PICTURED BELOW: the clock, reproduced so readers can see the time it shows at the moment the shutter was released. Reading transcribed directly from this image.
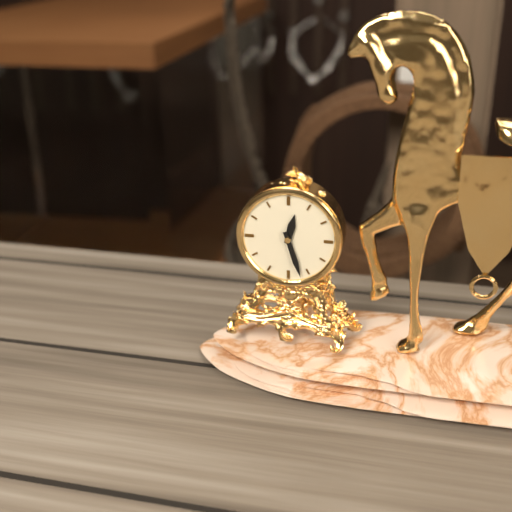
12:27
